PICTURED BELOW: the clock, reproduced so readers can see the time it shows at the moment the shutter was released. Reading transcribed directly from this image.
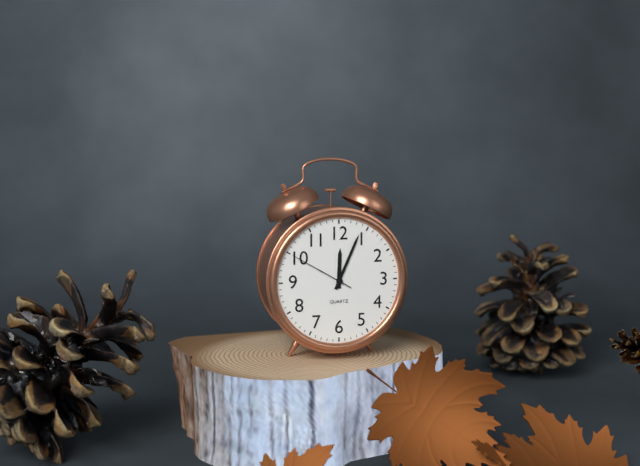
12:04:50
